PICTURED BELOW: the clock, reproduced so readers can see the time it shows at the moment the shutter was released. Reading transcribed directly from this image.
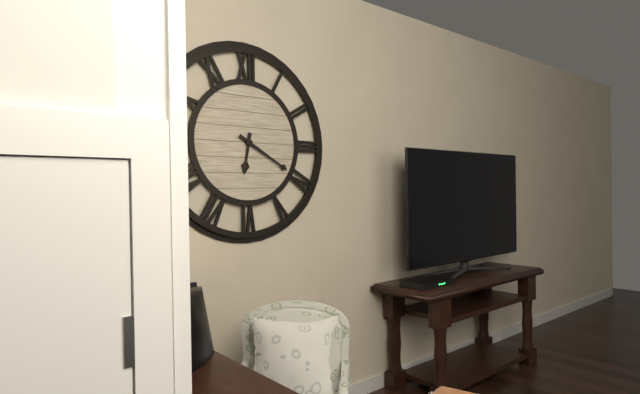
6:20
